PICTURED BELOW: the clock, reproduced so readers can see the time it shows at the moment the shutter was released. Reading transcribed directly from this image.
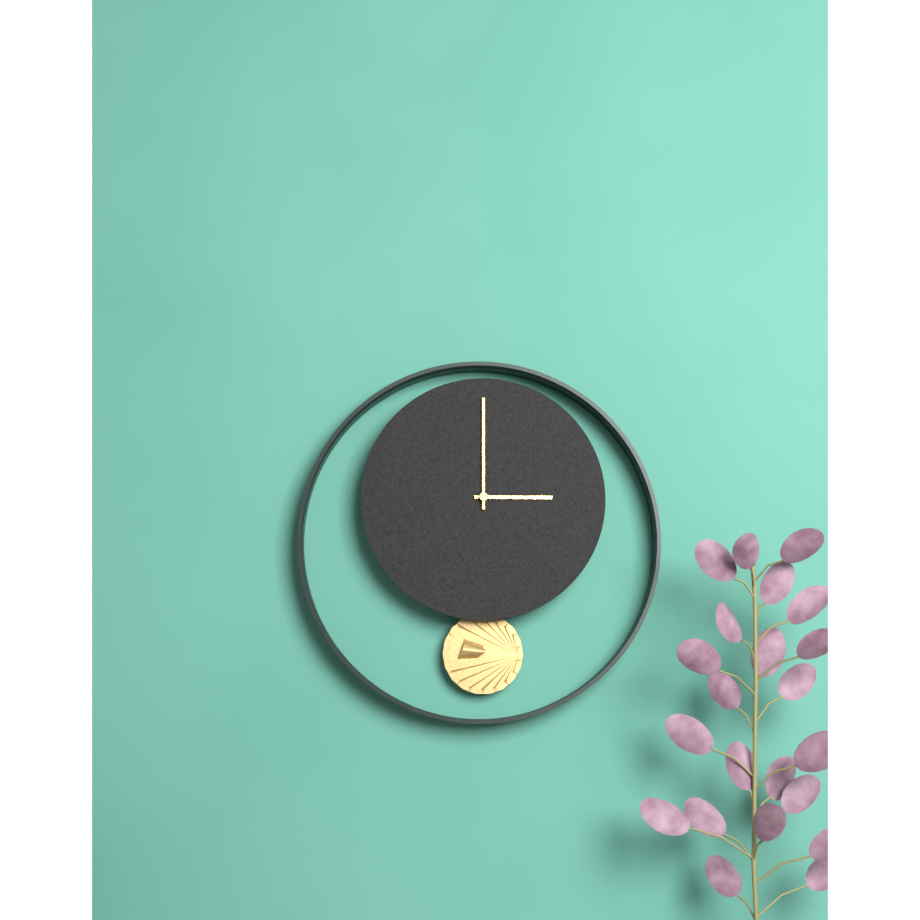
3:00
